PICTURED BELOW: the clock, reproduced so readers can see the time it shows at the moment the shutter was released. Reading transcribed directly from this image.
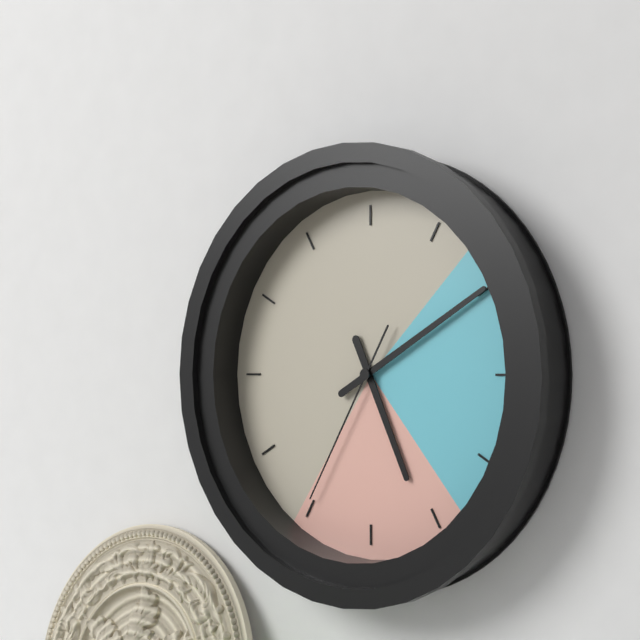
5:10:35
